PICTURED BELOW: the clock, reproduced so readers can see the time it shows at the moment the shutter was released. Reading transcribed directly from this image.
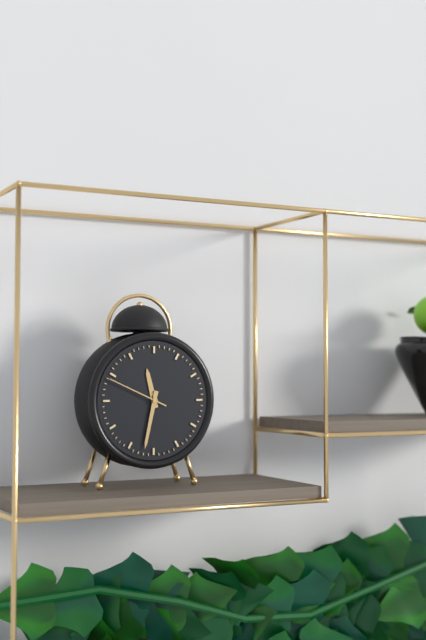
11:32:49
